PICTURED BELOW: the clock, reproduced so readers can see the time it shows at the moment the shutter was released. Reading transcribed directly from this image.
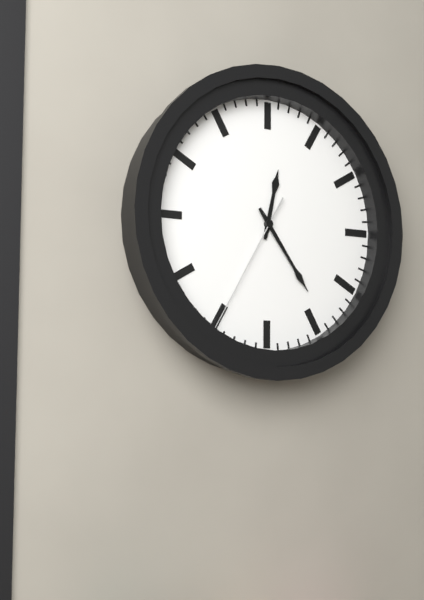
12:24:35
